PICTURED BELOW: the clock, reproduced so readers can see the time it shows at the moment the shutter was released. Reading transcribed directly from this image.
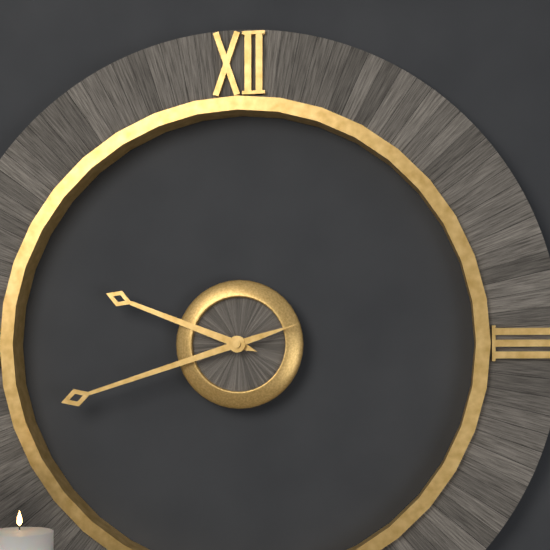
9:42
